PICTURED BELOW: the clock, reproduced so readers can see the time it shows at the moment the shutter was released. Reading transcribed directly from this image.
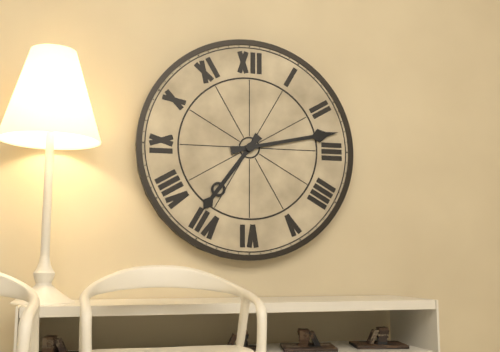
7:13
